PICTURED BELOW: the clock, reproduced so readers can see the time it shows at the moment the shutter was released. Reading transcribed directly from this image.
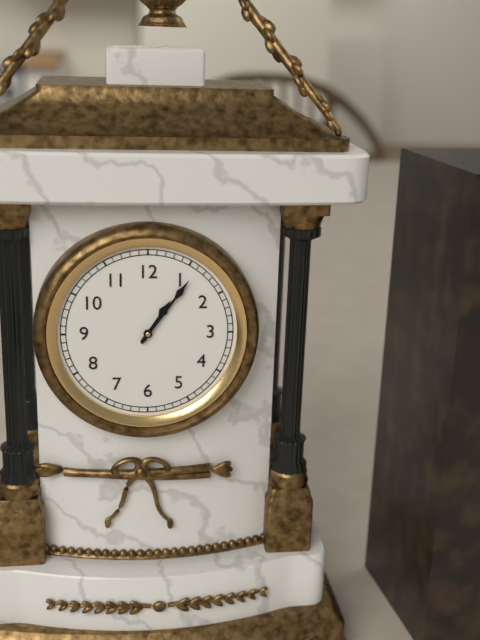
1:06
